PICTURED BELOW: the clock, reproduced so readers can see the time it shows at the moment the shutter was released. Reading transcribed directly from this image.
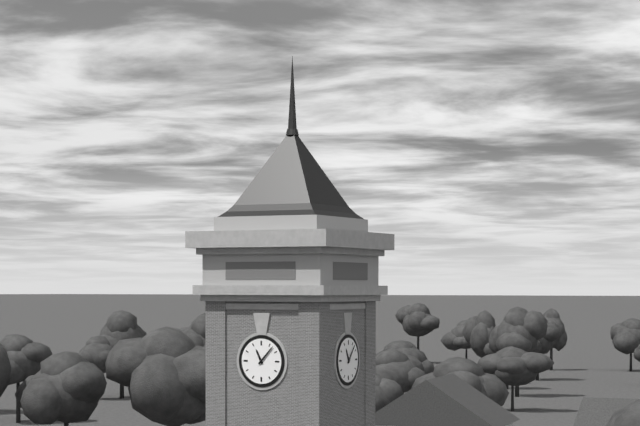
11:07
